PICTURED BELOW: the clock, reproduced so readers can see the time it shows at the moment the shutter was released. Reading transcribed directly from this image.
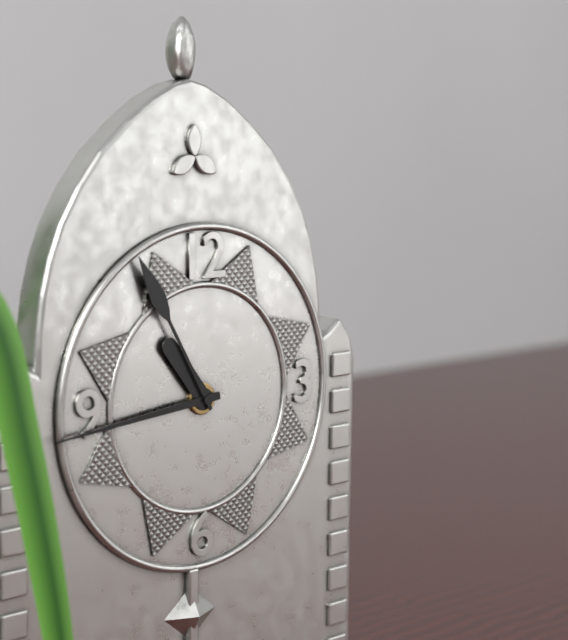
10:44:55
